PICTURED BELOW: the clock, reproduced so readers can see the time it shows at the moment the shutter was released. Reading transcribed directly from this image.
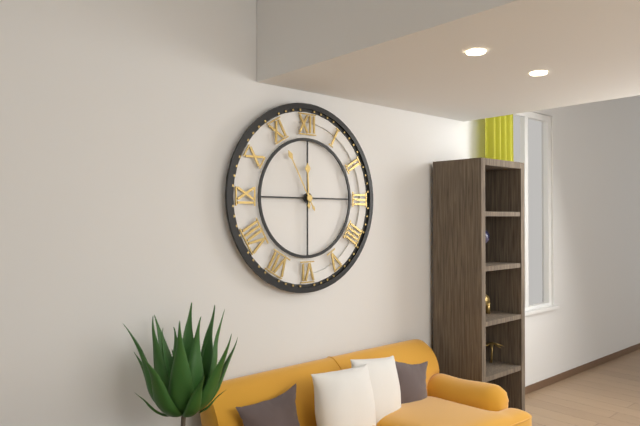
11:55
